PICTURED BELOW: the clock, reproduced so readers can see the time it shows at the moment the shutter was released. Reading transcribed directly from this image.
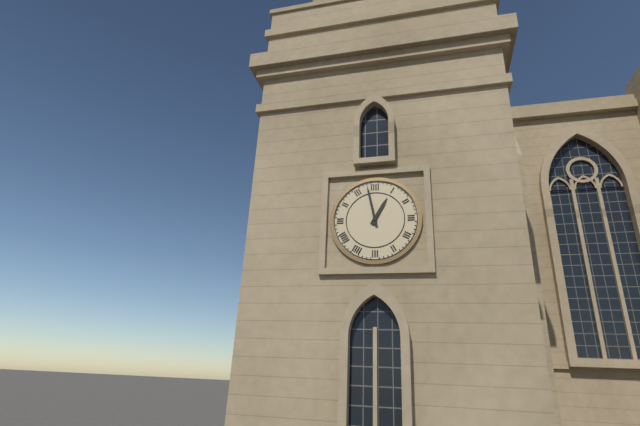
12:58
